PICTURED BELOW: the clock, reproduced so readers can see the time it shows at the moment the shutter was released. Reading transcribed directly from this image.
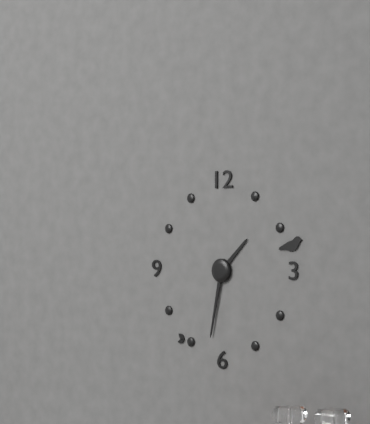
1:32
